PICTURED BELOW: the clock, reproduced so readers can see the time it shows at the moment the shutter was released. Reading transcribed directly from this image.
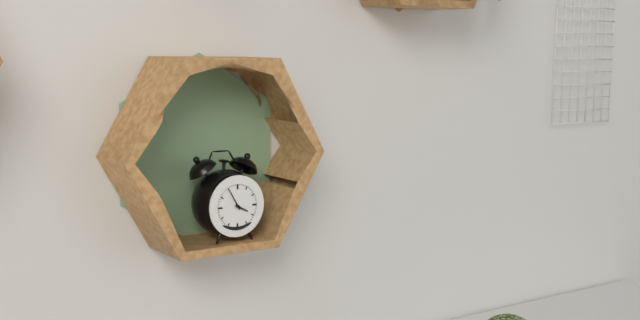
3:55
